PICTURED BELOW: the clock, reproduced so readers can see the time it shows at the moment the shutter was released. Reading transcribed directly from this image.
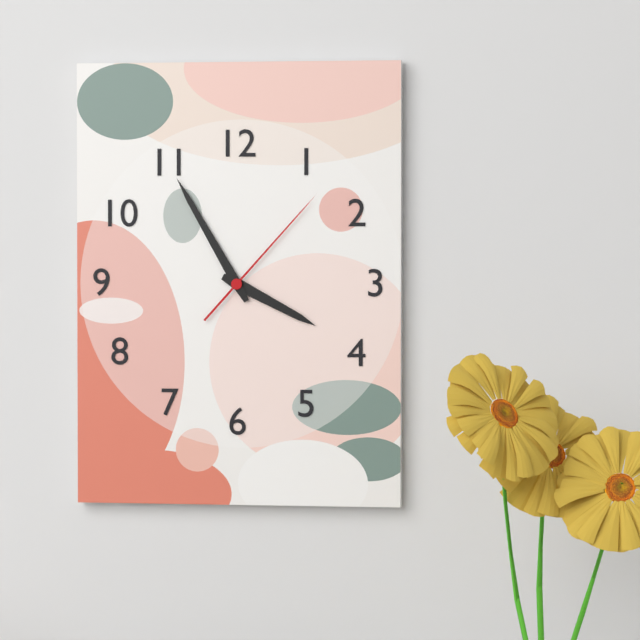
3:55:07
